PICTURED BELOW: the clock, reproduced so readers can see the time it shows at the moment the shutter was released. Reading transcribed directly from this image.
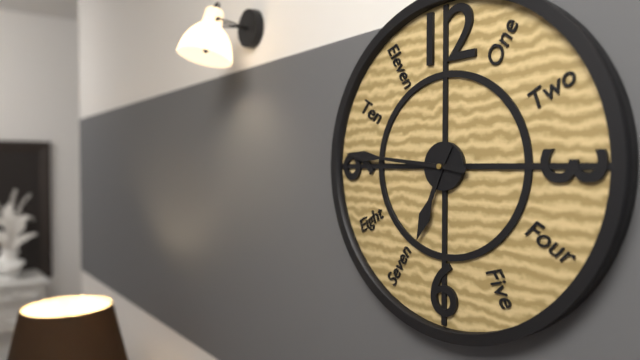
6:46
